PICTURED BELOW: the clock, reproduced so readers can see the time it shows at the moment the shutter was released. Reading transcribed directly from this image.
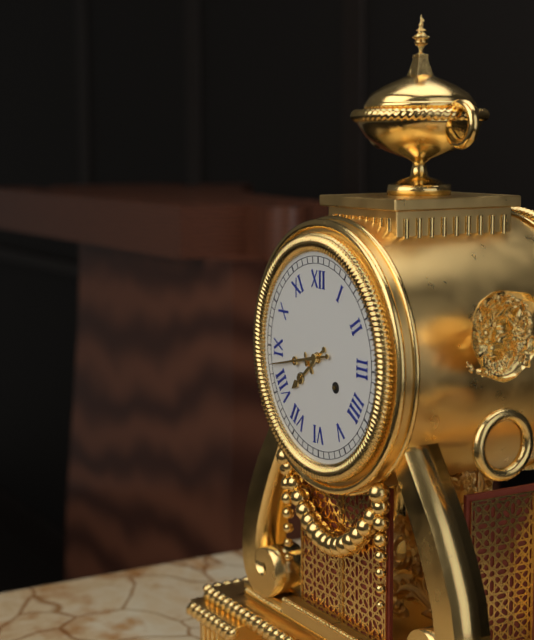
7:43
